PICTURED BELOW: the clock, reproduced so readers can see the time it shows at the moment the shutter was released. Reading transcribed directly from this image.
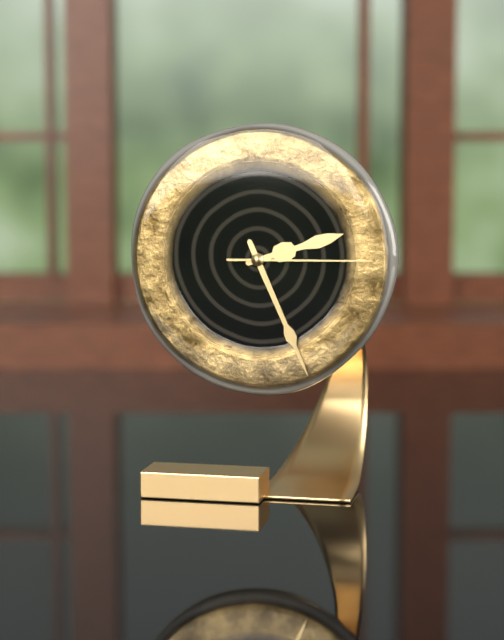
2:26:15
